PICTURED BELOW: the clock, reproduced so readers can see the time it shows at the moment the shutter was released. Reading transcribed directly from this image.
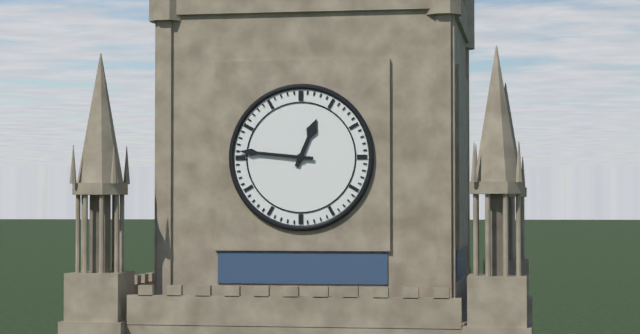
12:46
